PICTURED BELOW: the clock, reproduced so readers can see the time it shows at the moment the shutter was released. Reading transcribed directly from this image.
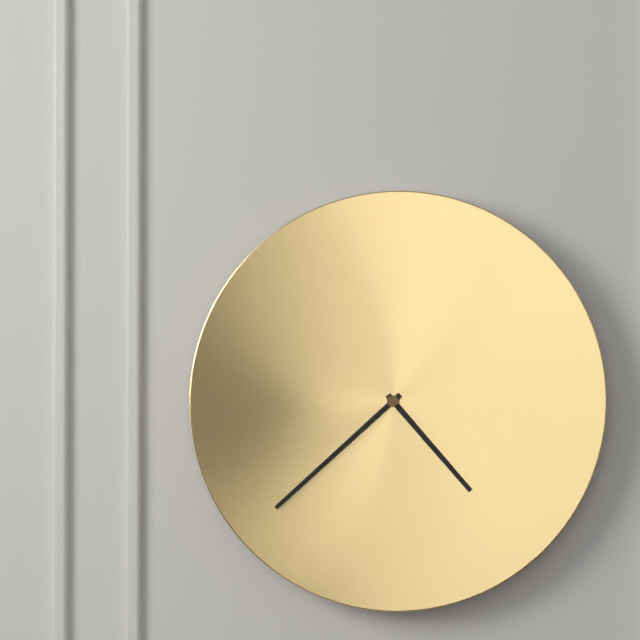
4:38
